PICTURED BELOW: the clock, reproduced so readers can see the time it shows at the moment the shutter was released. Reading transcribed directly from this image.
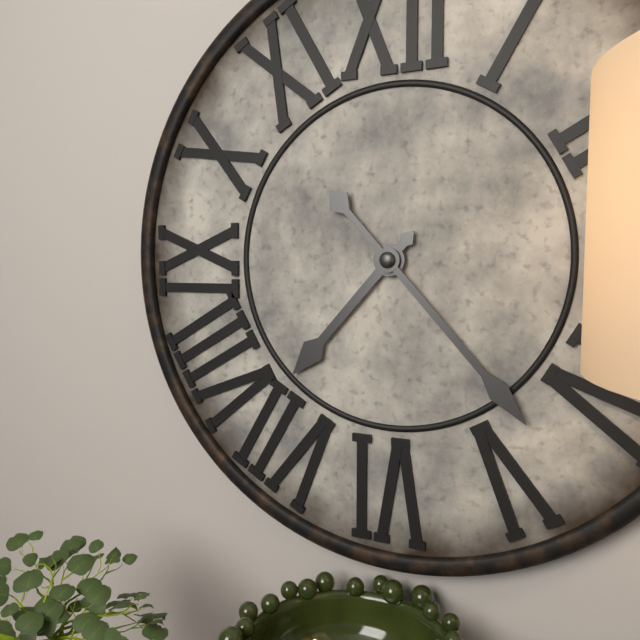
7:23
